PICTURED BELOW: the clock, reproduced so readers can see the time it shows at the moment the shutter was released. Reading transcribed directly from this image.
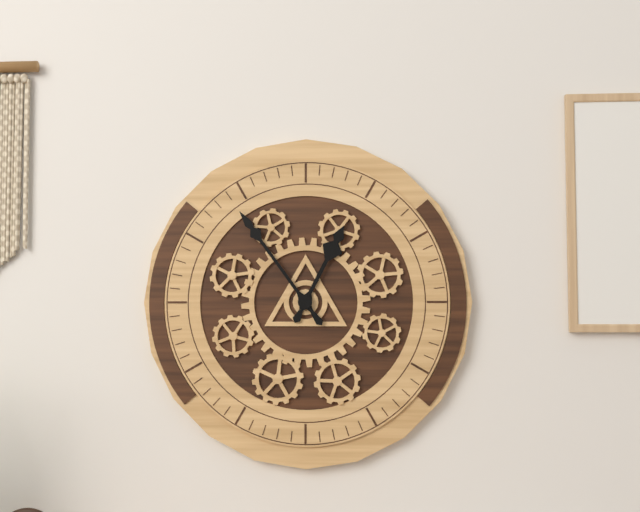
12:54
